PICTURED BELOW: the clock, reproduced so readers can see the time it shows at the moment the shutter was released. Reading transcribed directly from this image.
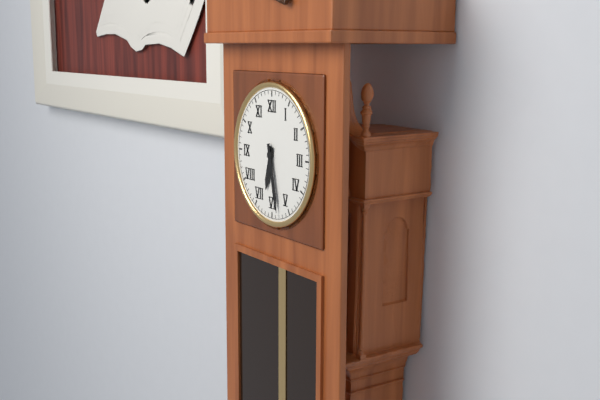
6:28
